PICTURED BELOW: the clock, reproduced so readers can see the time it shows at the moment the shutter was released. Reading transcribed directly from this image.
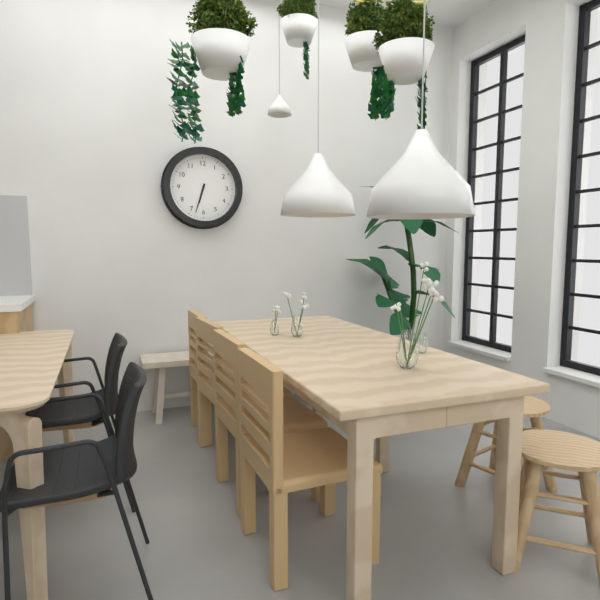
6:33
